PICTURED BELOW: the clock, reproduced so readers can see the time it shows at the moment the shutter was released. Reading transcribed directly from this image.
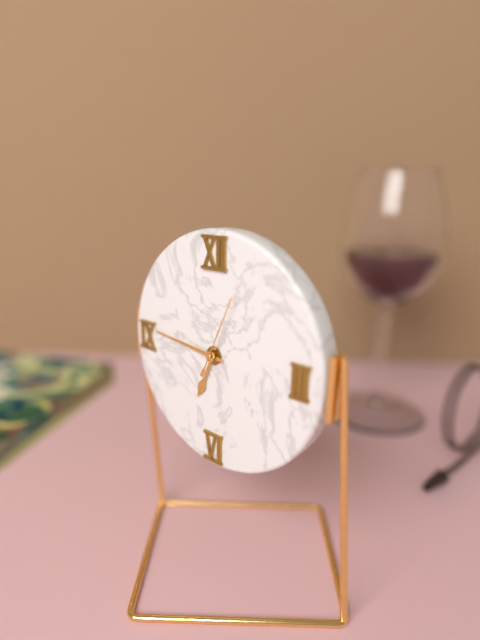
6:46:04
